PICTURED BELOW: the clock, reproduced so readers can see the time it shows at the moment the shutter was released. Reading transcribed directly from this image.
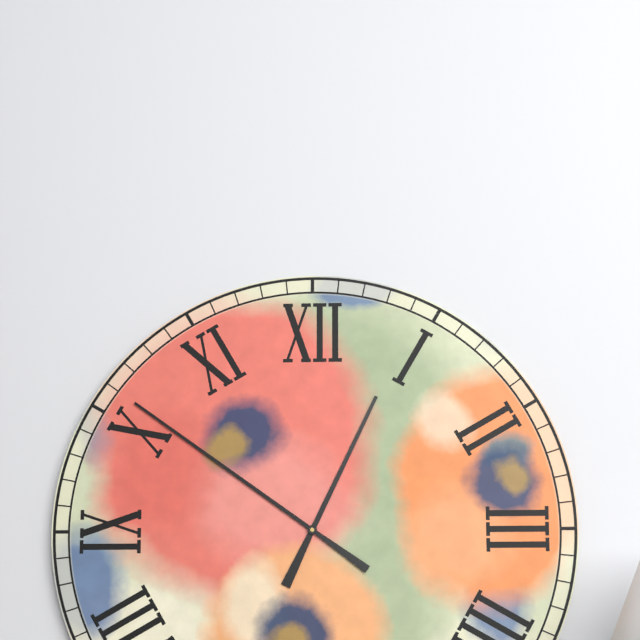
12:51
